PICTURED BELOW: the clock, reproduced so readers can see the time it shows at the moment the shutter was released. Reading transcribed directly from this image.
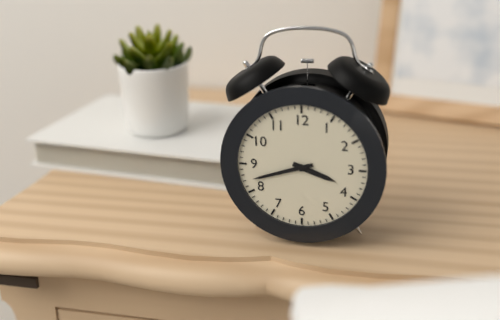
3:42
